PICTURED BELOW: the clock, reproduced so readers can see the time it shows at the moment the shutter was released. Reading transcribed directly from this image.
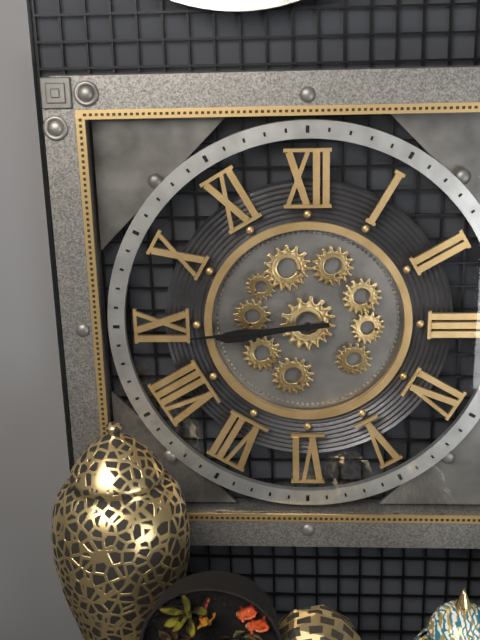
8:44
